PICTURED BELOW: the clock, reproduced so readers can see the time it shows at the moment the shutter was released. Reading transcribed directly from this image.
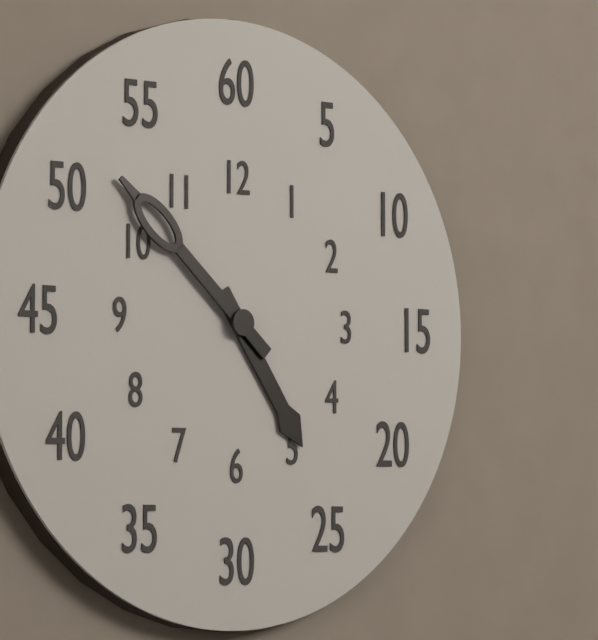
4:52
